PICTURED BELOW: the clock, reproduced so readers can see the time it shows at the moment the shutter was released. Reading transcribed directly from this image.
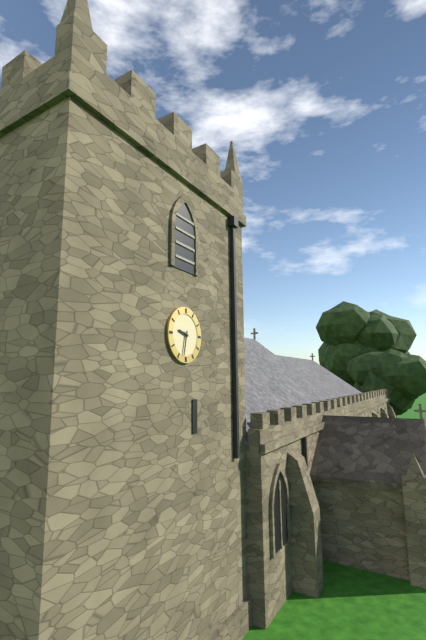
9:32
